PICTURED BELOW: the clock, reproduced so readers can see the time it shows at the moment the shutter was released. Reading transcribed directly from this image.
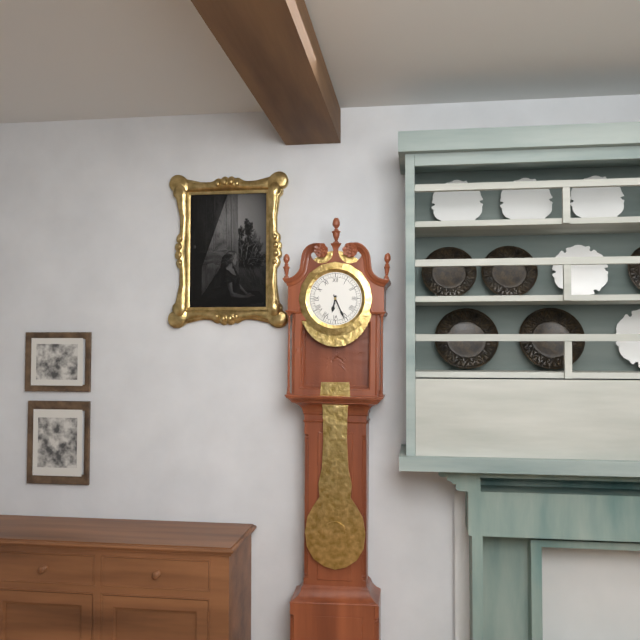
6:26
